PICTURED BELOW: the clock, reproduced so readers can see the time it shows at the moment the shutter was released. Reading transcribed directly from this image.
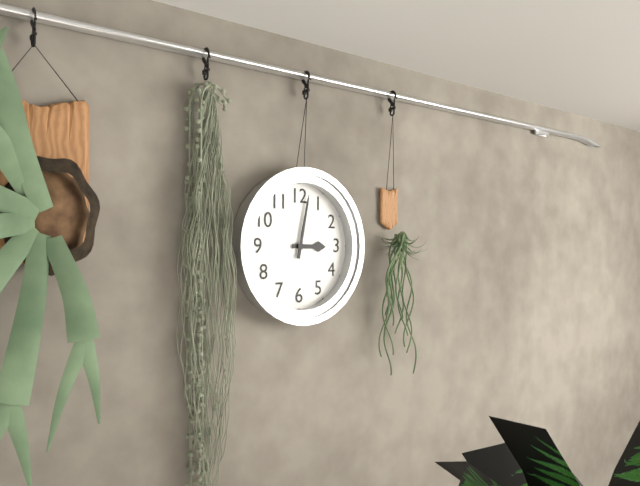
3:02
